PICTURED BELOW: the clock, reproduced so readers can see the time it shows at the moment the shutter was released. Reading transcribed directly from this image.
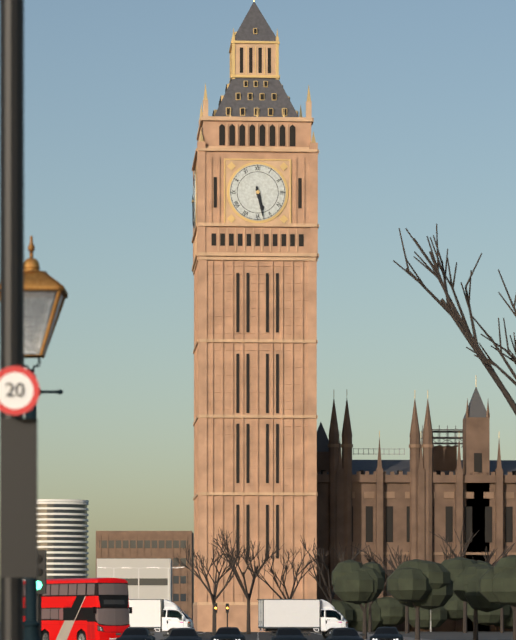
5:28
